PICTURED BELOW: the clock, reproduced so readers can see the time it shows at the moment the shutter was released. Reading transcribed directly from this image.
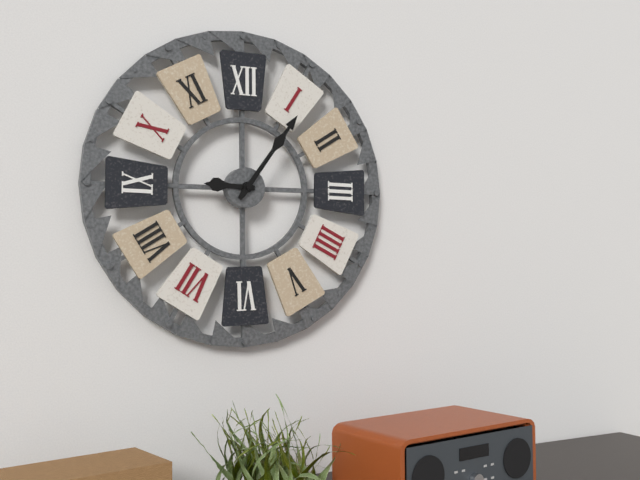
9:06
